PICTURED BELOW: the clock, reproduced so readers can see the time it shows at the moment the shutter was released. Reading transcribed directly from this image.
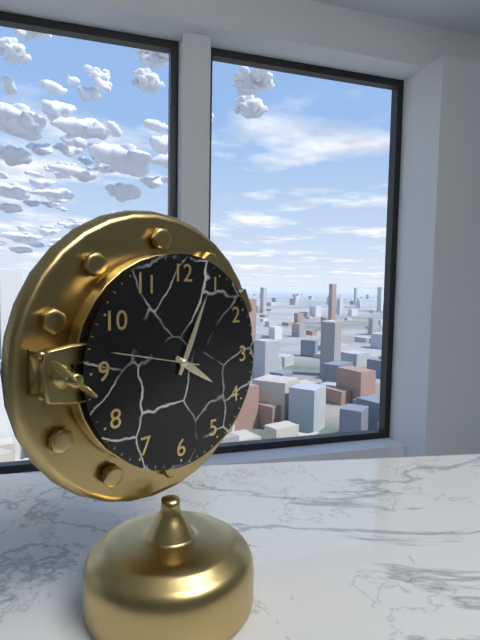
4:04:47
